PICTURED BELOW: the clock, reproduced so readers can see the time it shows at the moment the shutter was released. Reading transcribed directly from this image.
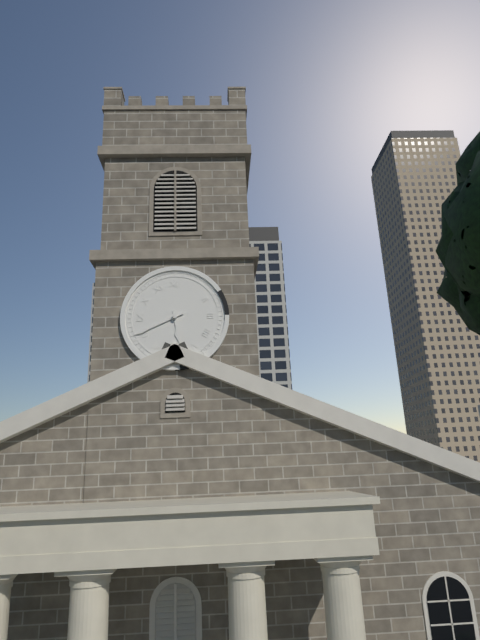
5:41
